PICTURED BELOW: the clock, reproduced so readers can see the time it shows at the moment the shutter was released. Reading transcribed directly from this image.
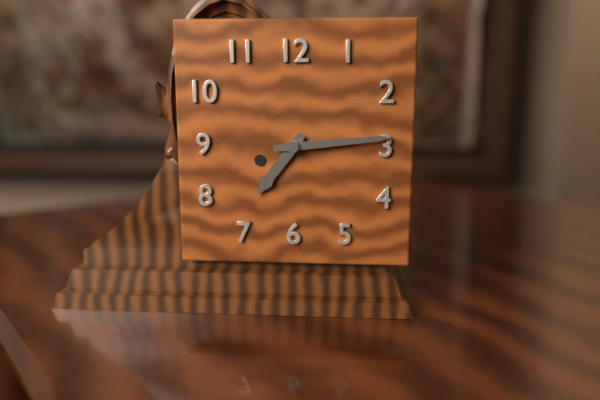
7:14
